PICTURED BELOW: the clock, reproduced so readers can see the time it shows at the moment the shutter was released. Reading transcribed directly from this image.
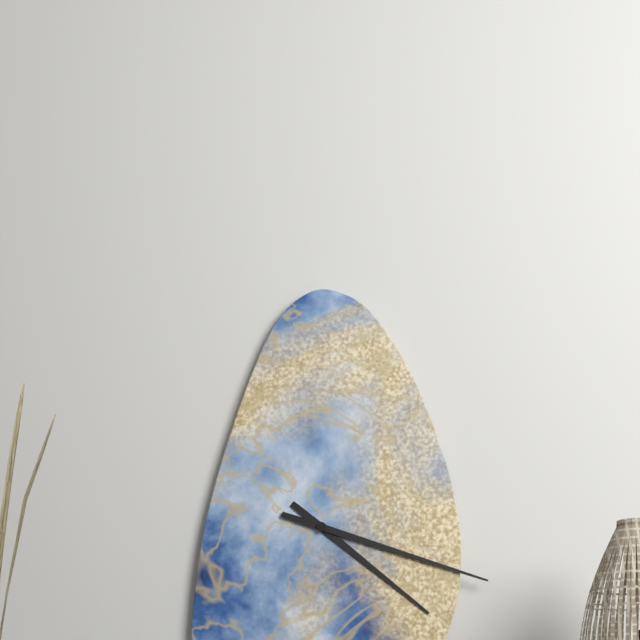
4:18
